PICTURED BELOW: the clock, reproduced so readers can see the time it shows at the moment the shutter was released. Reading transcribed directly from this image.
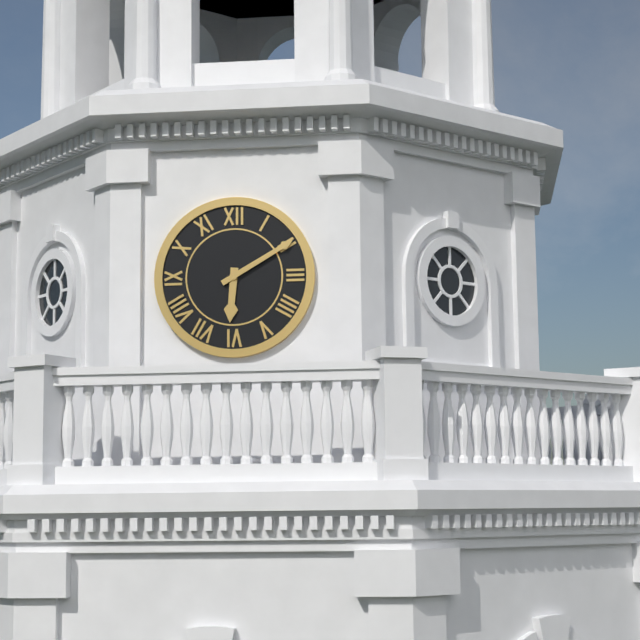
6:10
